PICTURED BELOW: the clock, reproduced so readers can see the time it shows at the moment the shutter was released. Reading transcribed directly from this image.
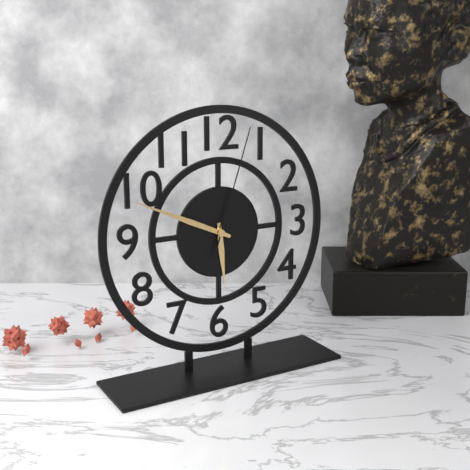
5:49:03
